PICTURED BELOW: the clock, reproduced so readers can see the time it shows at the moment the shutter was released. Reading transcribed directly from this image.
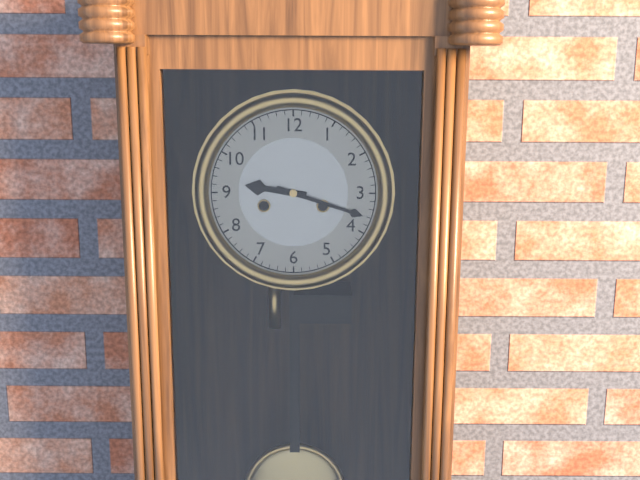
9:18
